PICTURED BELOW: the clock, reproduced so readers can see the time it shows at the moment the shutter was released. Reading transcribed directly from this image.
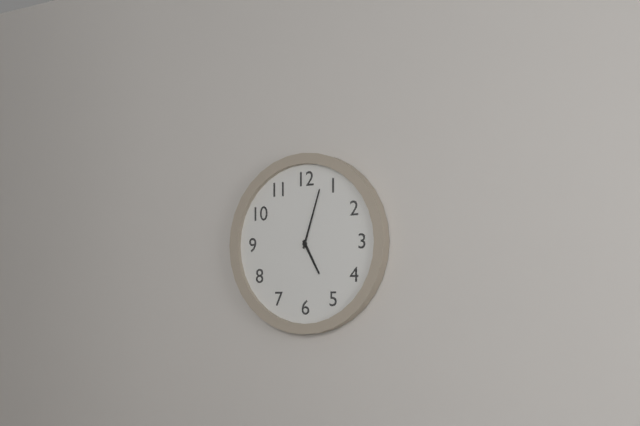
5:03
